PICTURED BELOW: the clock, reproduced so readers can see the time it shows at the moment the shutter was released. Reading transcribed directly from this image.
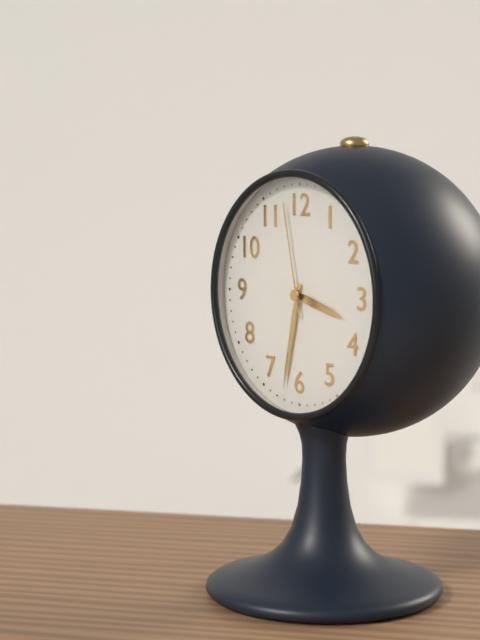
3:32:58
